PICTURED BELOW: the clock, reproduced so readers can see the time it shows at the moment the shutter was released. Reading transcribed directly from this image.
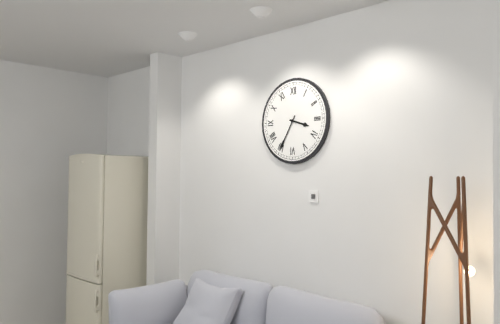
3:35
